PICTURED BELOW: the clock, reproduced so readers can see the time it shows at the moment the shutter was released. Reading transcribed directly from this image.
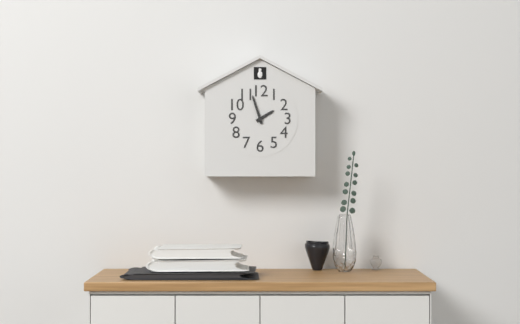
1:57
